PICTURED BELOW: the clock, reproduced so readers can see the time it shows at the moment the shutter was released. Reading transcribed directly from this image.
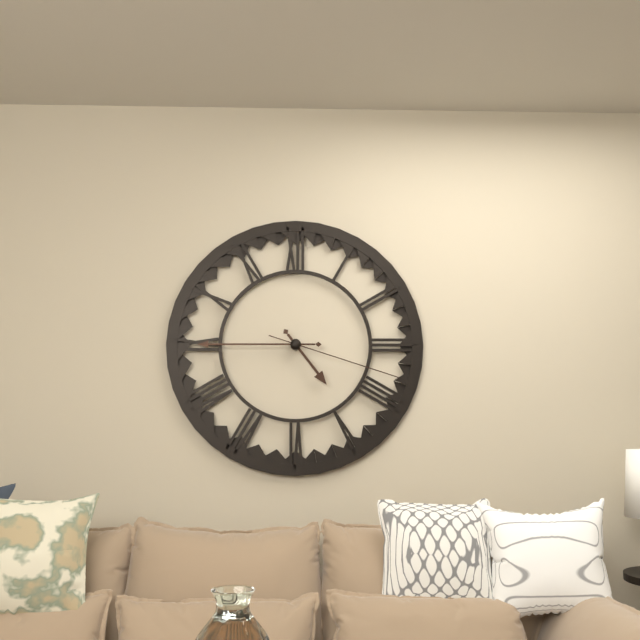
4:45:18
